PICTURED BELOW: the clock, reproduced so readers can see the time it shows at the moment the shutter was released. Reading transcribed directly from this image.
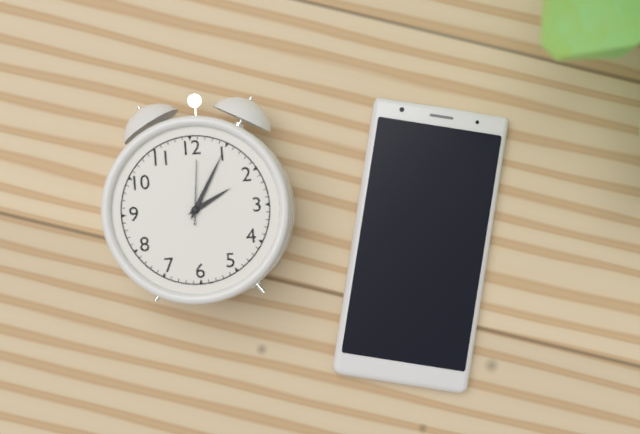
2:05:01
